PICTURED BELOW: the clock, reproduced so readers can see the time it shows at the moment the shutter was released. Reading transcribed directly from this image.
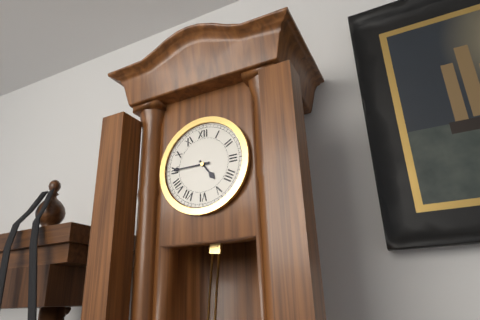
4:45
